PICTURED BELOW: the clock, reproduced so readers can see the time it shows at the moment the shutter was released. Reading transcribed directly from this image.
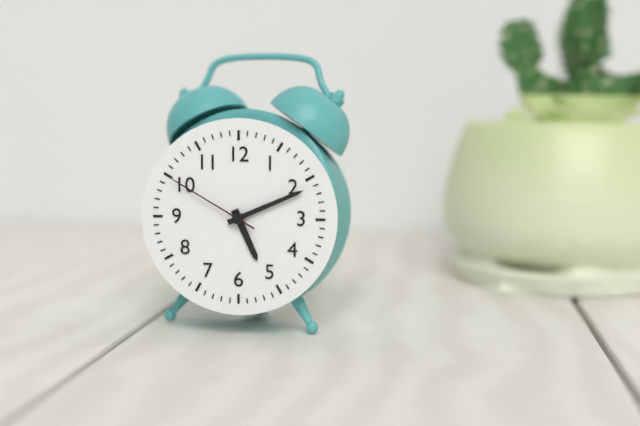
5:11:50
